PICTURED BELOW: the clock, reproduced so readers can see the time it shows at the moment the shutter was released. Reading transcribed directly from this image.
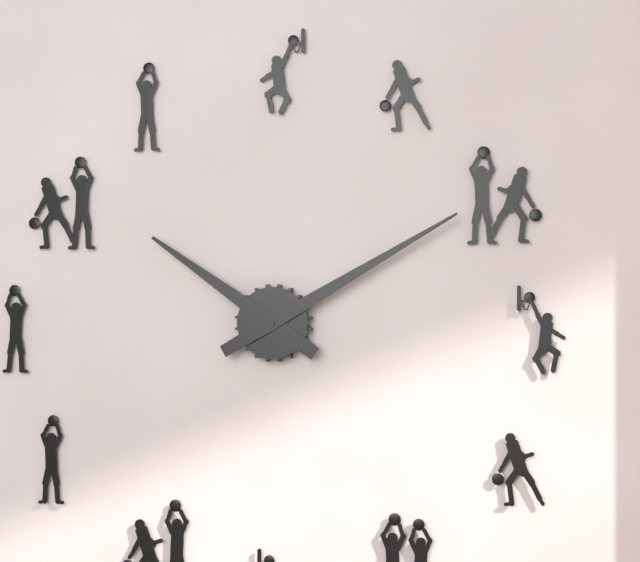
10:10
